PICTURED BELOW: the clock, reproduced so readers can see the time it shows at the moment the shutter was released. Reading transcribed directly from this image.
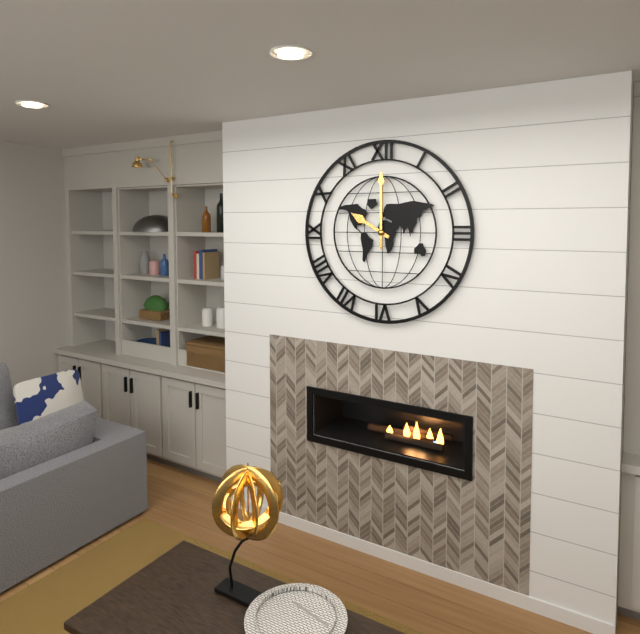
10:00
